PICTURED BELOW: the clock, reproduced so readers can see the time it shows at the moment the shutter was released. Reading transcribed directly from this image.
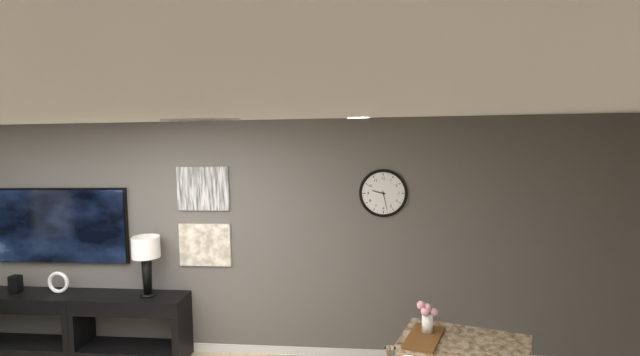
9:28
